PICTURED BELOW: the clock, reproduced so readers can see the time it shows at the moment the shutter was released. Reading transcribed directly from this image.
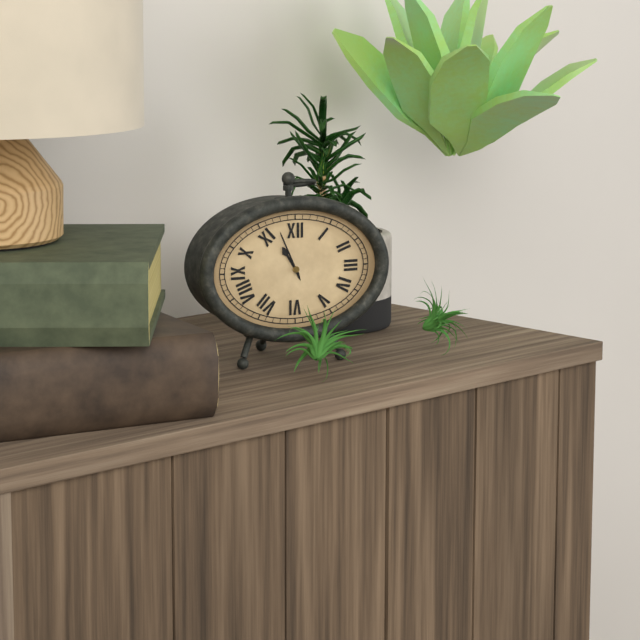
10:56
